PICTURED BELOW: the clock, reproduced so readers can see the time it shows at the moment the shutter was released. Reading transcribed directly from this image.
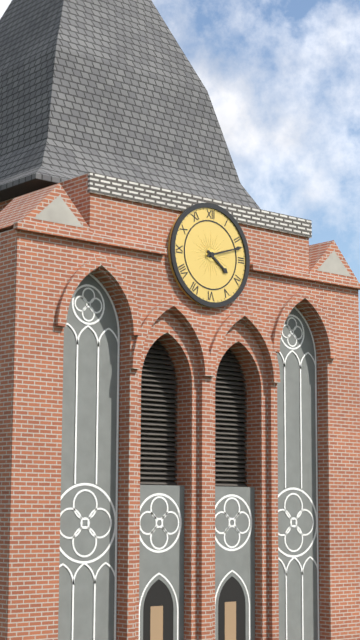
4:12
